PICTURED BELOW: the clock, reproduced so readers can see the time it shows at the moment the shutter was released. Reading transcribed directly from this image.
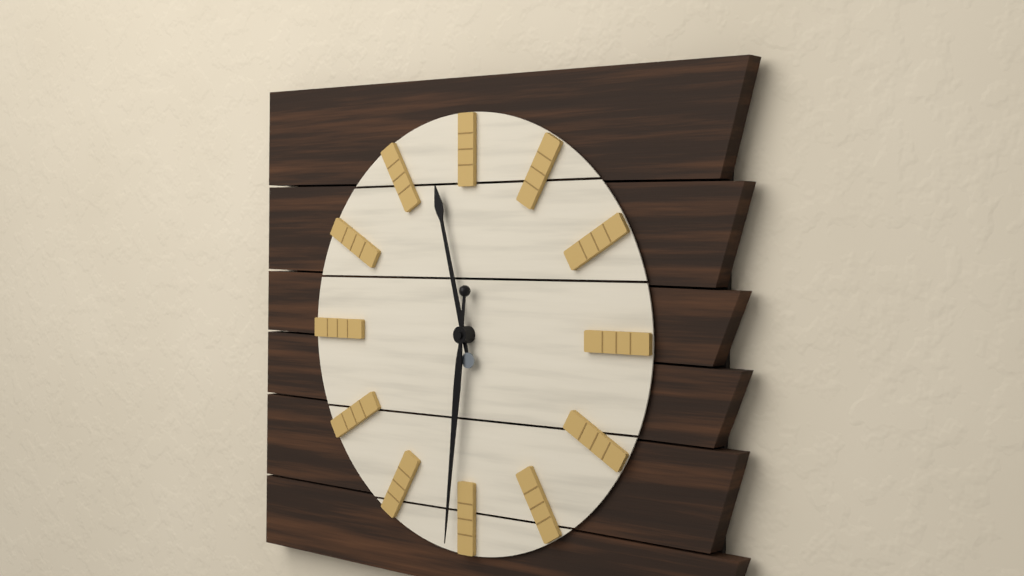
11:31
